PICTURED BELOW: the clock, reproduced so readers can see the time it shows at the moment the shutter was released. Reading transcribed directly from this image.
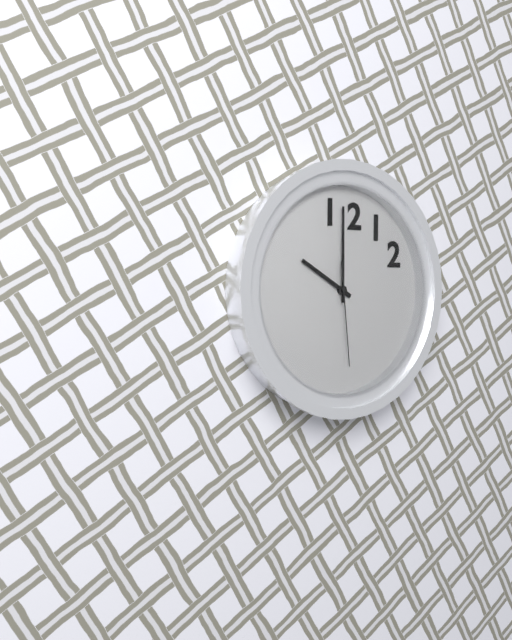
10:00:29
